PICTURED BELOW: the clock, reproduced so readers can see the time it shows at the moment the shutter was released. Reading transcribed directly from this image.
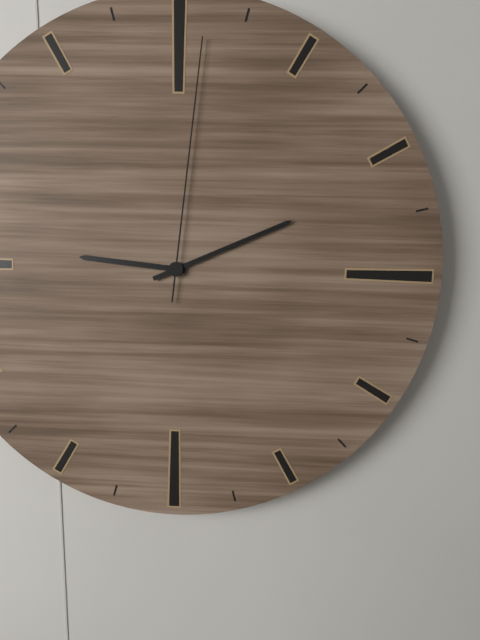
9:11:01
